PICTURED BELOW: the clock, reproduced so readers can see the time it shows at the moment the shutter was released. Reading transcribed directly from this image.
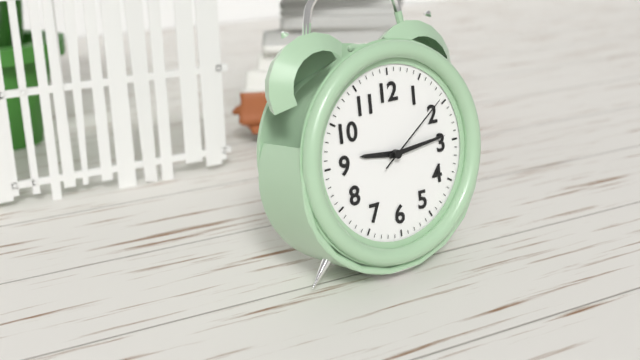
9:14:09
